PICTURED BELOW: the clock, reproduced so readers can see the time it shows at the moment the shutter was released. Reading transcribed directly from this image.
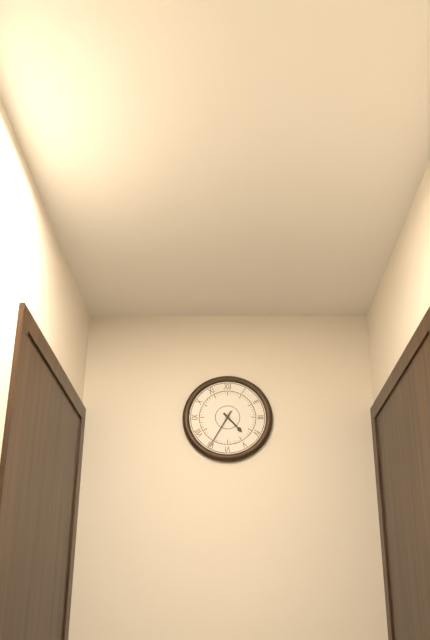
4:35
